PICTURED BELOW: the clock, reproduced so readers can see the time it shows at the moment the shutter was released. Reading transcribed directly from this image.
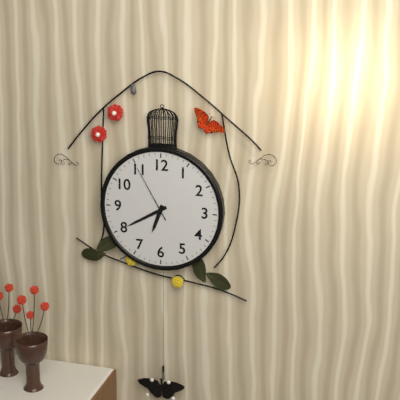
6:40:55
